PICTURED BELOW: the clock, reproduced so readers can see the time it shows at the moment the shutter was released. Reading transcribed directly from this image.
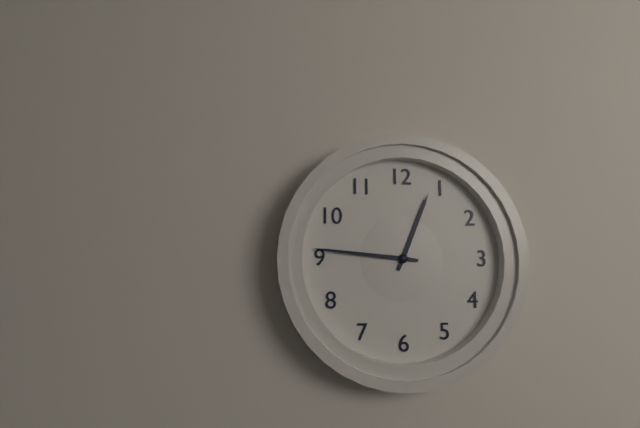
12:46
